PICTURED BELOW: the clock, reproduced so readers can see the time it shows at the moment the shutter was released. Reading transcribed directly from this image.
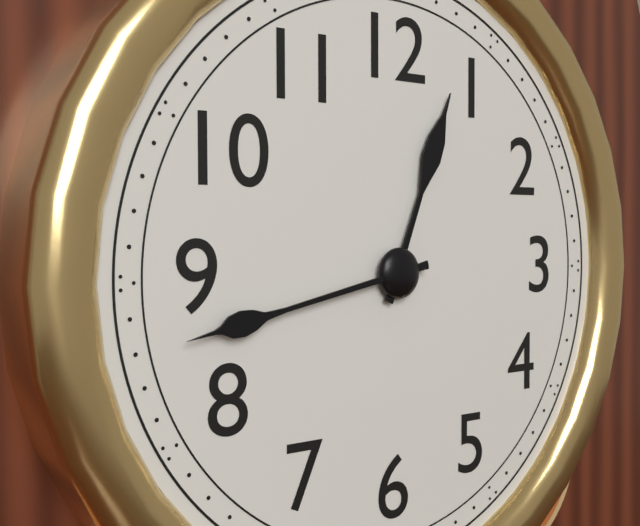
12:43
